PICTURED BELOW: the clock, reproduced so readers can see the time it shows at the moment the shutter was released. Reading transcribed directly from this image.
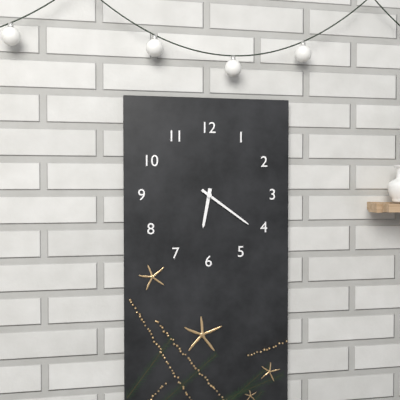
6:21
